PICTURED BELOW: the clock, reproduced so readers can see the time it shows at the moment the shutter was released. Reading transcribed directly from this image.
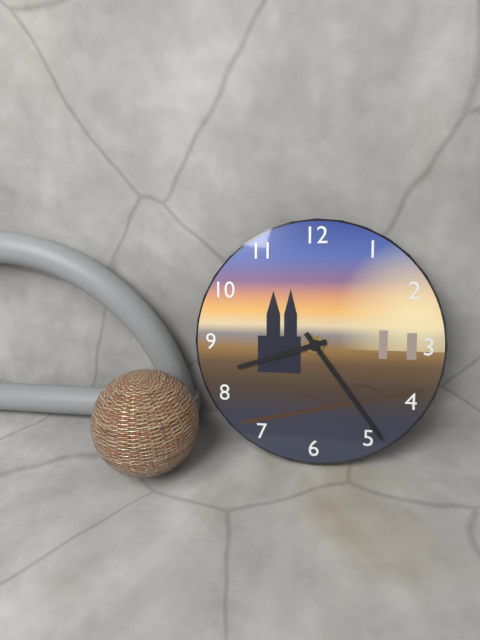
8:24
